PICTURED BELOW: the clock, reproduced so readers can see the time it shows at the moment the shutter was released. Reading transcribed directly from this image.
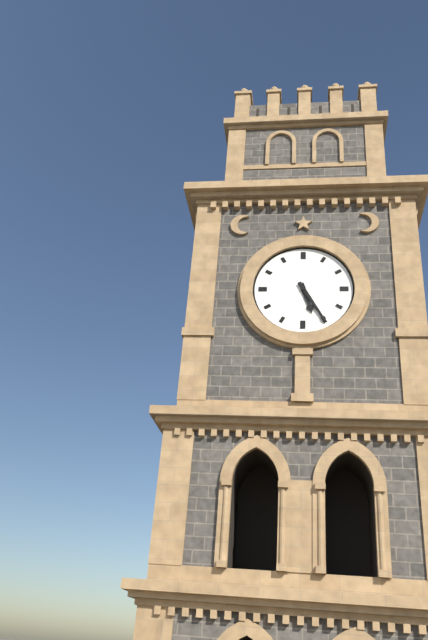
5:25
